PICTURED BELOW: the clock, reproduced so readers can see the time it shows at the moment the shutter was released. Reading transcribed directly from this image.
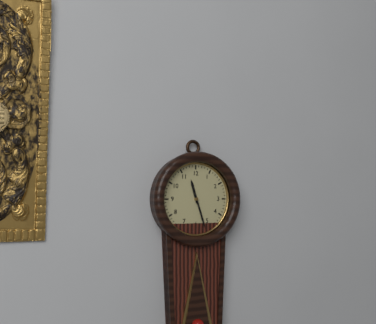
11:27
